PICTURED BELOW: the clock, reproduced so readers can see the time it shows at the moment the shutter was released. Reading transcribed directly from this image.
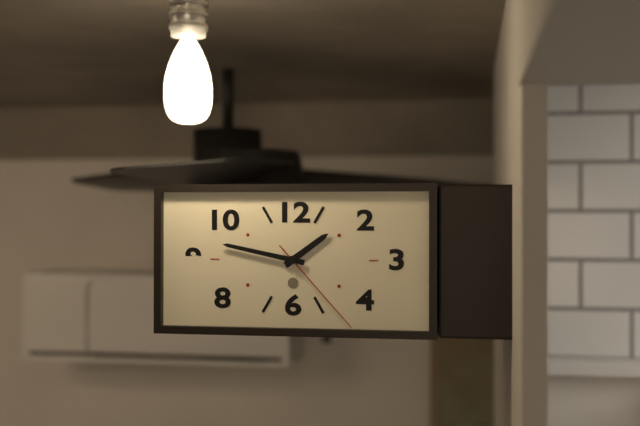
1:47:23
